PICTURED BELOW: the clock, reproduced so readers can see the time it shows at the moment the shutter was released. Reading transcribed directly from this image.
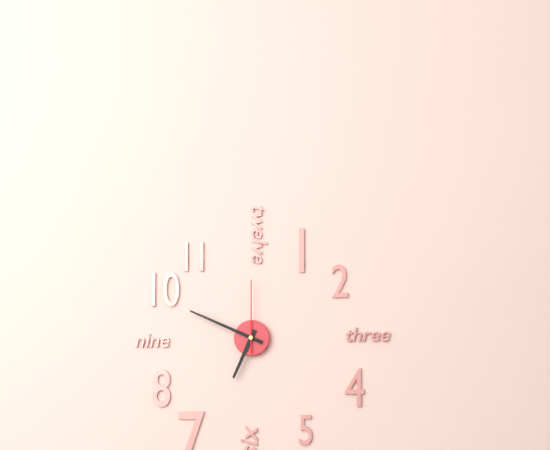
6:49:00
